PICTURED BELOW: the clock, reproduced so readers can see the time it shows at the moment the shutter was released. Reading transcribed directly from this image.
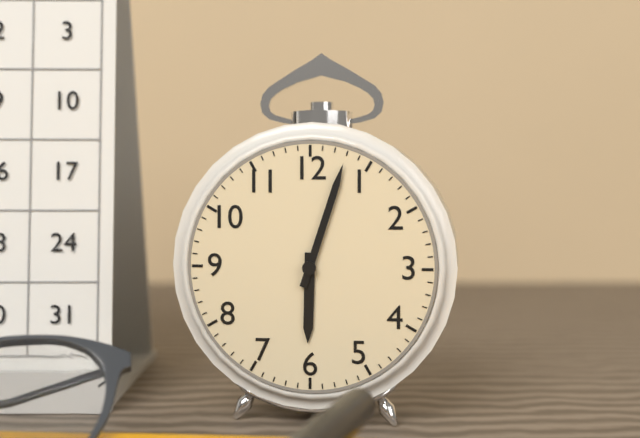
6:03
